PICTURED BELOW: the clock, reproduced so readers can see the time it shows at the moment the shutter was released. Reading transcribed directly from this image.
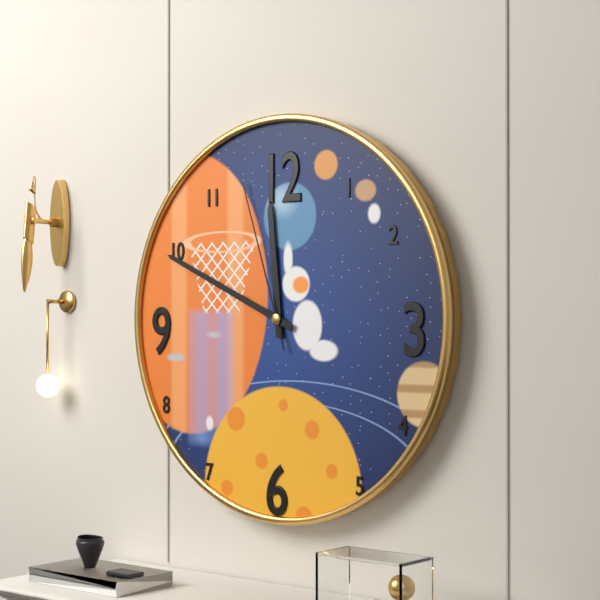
11:49:57
